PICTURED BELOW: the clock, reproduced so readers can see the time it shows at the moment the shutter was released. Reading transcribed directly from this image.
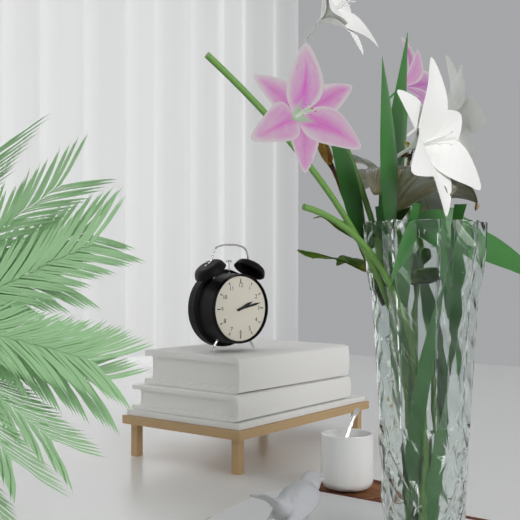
2:13
